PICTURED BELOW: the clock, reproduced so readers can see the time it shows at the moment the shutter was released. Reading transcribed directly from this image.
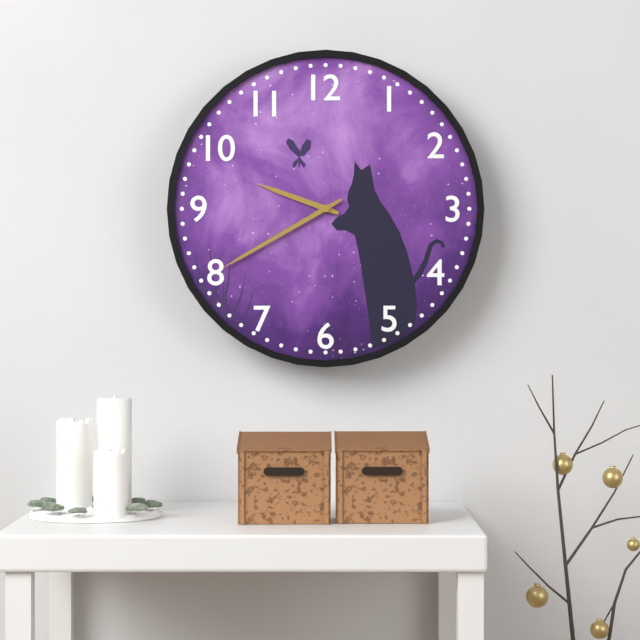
9:40
